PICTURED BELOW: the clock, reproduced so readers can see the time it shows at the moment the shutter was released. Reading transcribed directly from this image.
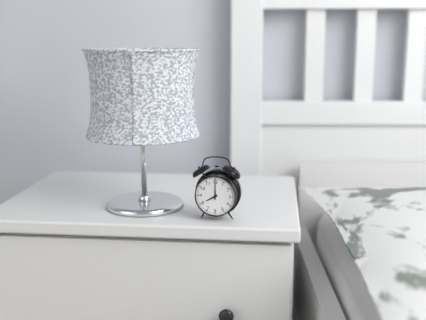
8:00
